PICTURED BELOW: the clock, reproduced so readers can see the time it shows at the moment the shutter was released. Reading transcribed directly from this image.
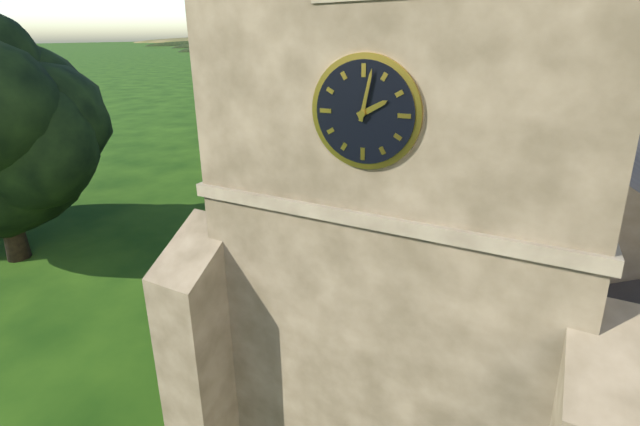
2:02
